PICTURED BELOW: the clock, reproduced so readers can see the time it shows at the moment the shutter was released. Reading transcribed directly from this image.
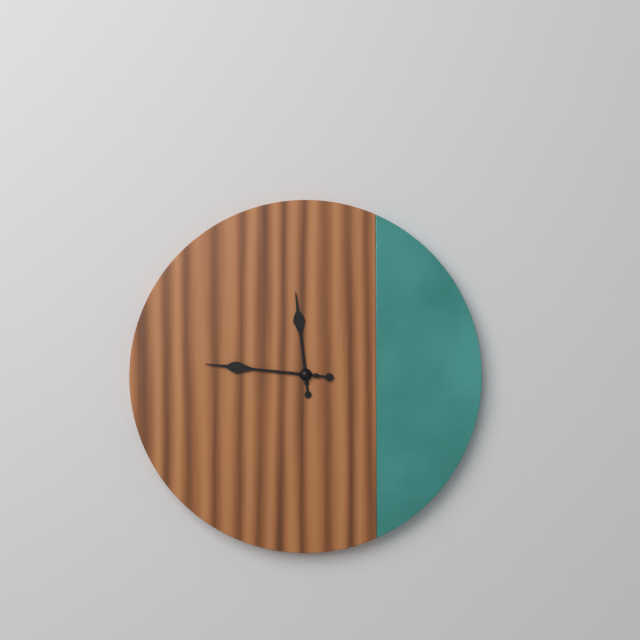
11:46
